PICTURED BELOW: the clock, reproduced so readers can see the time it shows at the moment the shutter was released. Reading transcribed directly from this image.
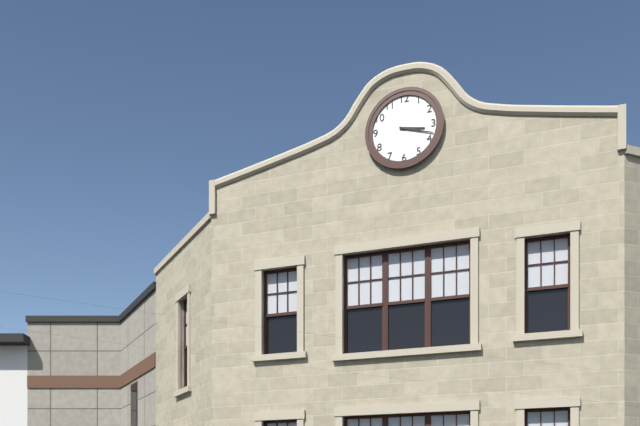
3:18
